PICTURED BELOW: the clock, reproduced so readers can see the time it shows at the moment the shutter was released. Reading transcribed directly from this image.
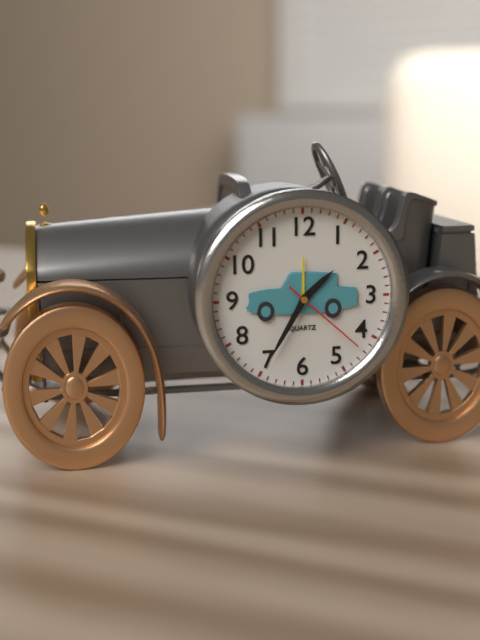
1:35:22
